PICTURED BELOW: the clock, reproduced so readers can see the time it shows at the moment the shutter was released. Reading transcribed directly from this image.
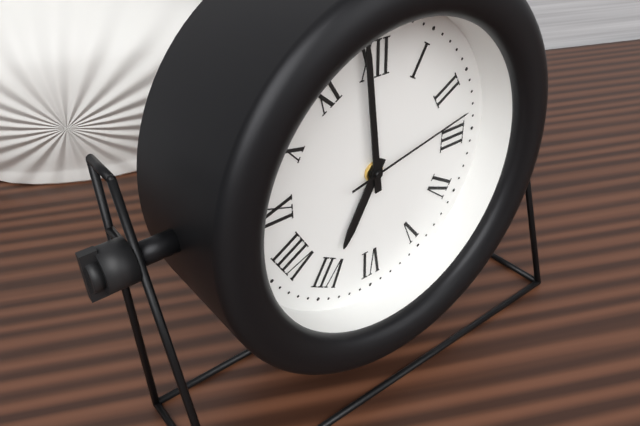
6:59:13
